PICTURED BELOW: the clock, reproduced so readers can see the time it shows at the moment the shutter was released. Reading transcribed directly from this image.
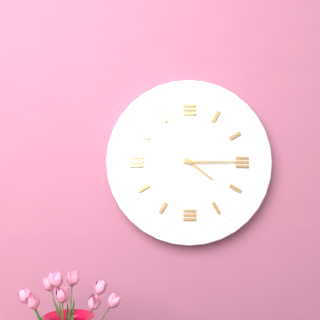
4:15
